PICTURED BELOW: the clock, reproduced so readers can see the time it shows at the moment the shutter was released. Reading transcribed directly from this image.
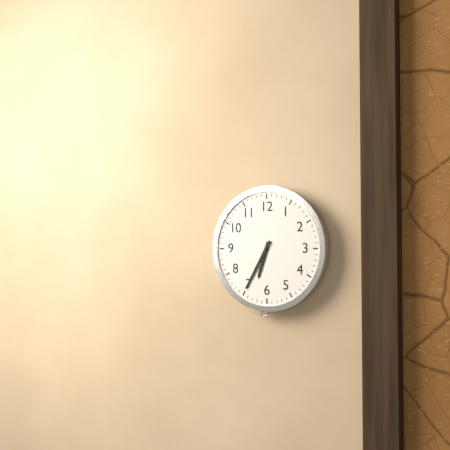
6:35
